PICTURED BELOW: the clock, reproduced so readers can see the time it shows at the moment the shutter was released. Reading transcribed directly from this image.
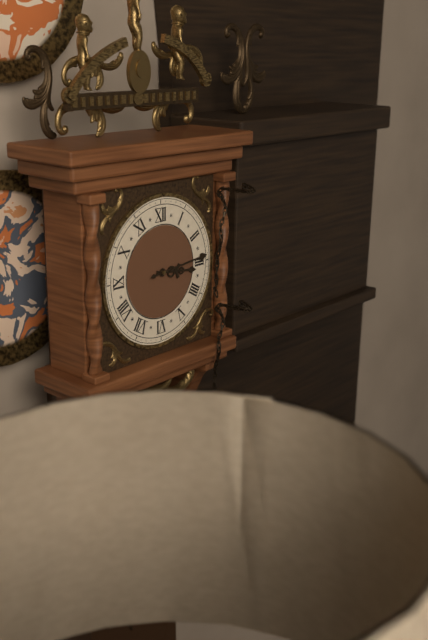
3:14
